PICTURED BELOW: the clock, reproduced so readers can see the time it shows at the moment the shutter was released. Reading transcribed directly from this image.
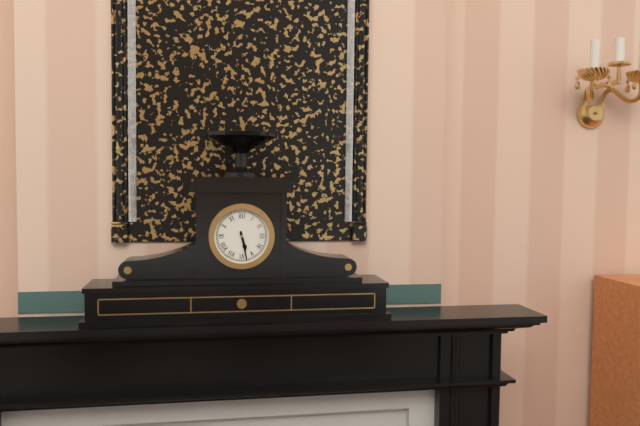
5:28
